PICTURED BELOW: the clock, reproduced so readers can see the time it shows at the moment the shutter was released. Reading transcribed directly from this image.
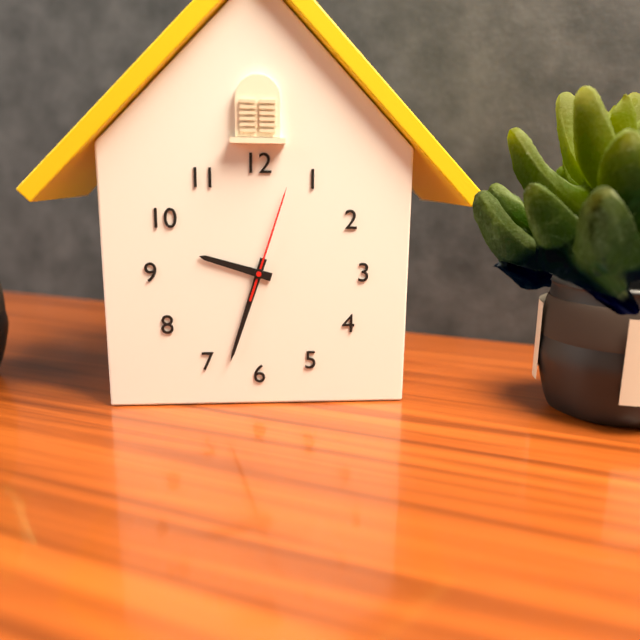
9:33:03
